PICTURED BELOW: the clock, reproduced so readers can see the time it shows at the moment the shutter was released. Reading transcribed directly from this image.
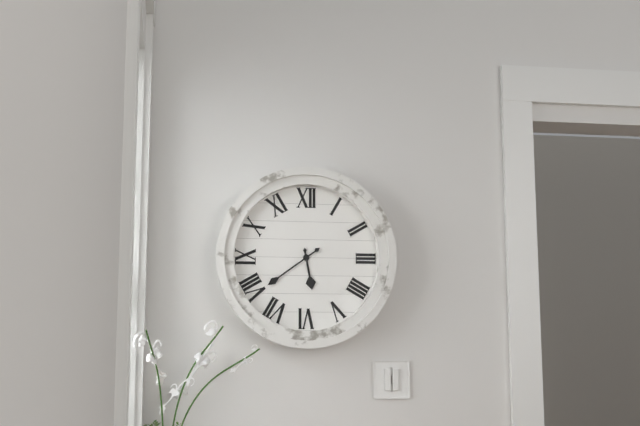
5:39
